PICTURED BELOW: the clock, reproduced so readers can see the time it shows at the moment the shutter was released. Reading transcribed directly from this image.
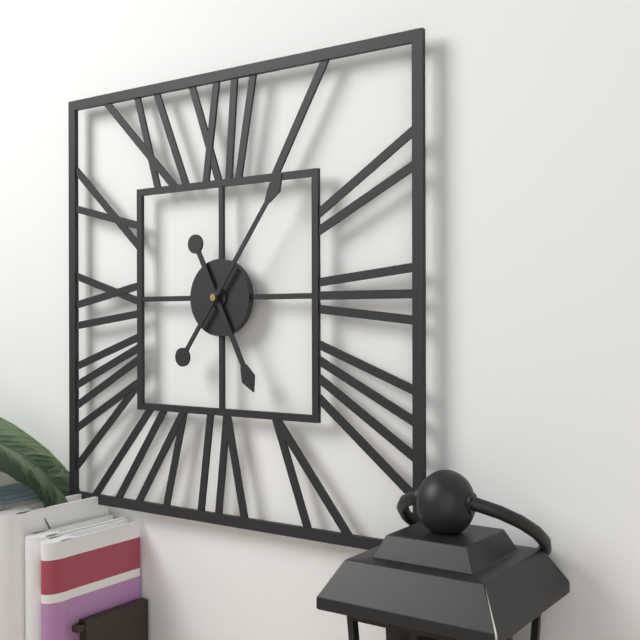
5:06
